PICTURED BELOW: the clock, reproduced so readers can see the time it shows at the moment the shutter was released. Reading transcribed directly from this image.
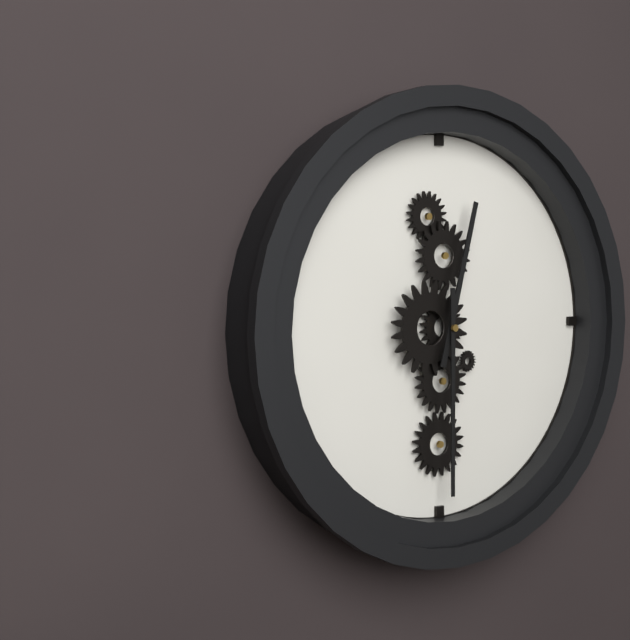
12:30
